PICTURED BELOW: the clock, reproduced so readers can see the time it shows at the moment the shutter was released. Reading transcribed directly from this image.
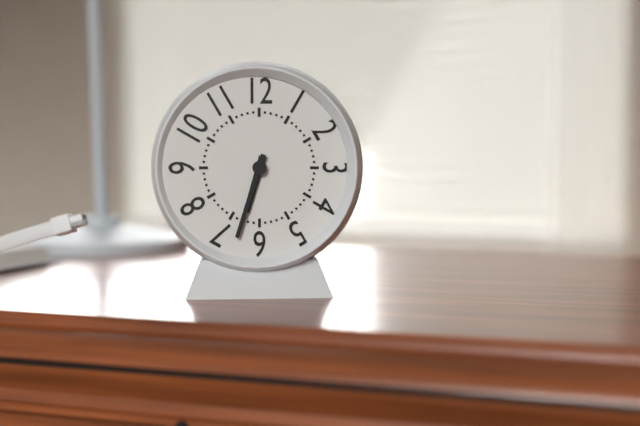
6:33
